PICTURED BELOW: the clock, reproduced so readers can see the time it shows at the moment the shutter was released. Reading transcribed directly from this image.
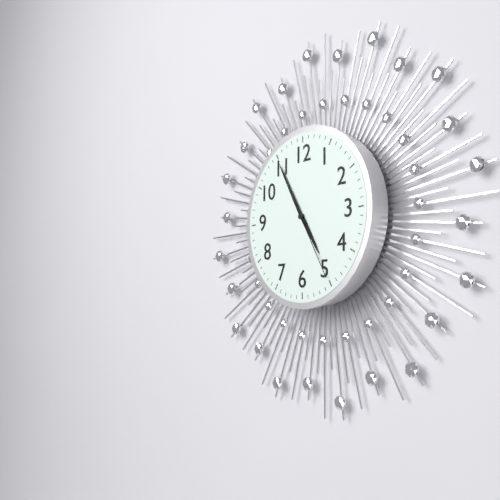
4:55:25
